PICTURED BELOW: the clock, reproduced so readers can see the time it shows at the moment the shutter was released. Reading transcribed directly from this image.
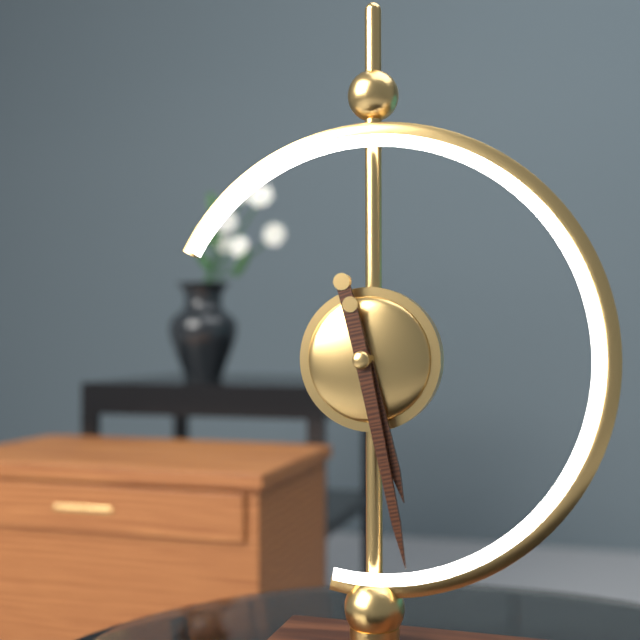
5:28
